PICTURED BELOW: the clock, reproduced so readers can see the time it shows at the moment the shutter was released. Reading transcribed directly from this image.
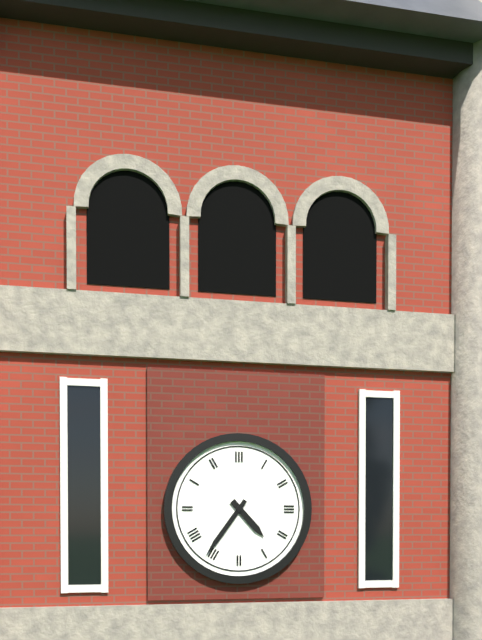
4:36
